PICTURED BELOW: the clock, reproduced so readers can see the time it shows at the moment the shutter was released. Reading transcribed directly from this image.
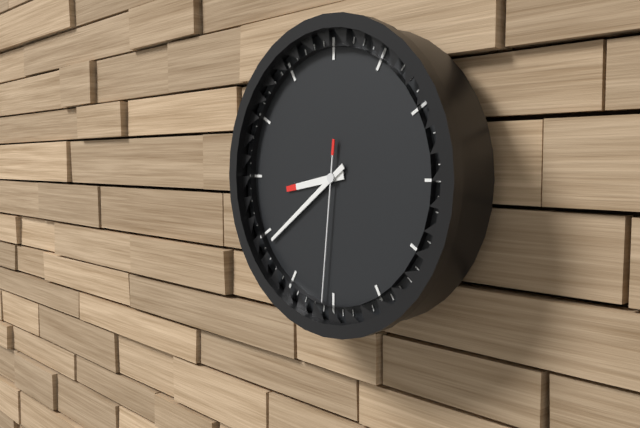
8:39:31
